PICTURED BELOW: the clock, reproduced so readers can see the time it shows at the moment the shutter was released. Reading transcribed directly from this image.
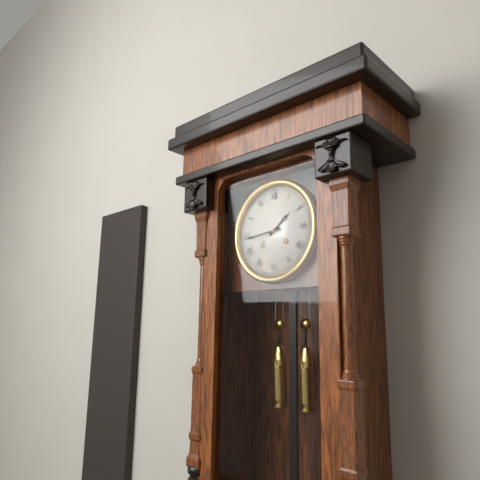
1:44
